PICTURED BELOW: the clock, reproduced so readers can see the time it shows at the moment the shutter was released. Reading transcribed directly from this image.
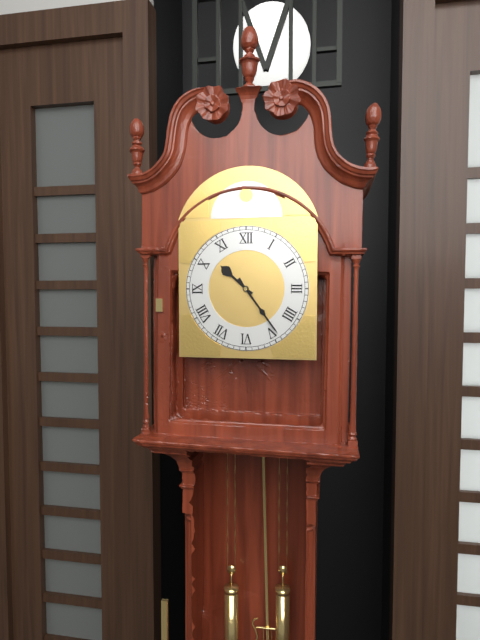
10:24
